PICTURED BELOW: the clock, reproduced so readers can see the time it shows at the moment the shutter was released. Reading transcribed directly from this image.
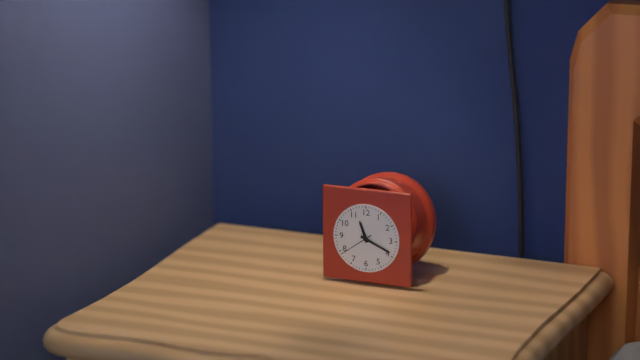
11:19
